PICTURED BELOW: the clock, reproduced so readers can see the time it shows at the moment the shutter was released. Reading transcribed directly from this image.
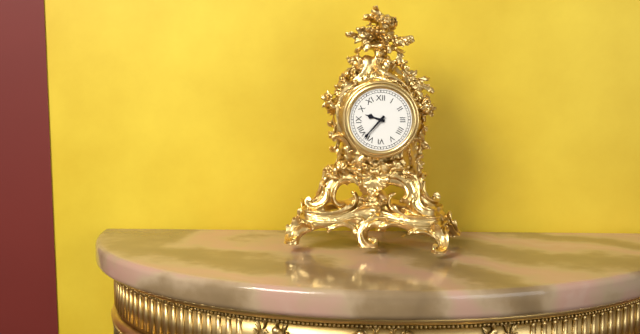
9:37
